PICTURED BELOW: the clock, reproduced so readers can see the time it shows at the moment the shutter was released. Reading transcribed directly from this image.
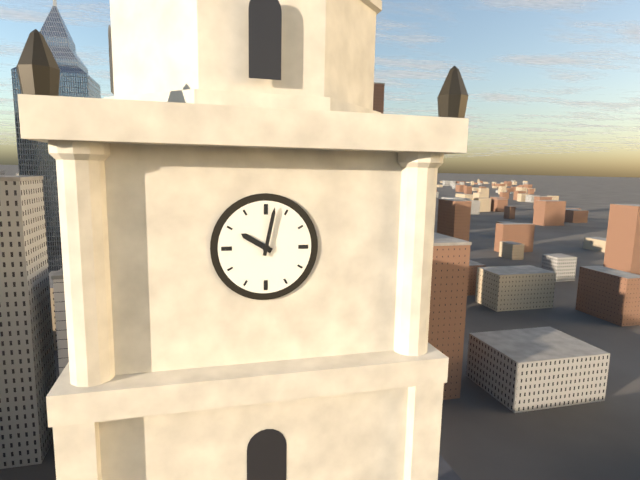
10:02
